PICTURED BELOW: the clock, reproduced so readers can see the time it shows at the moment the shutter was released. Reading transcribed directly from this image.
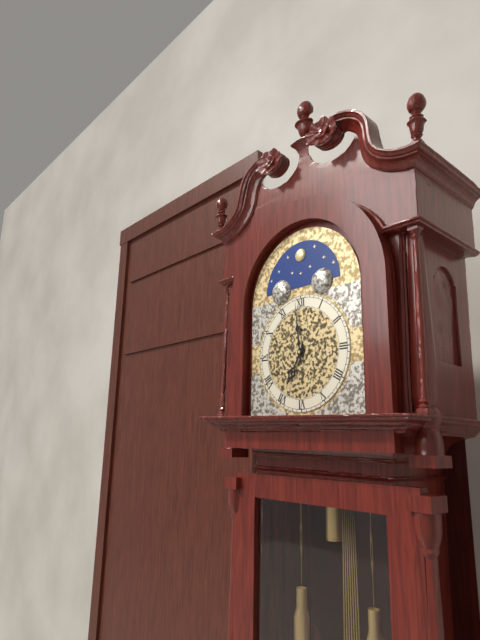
6:59
